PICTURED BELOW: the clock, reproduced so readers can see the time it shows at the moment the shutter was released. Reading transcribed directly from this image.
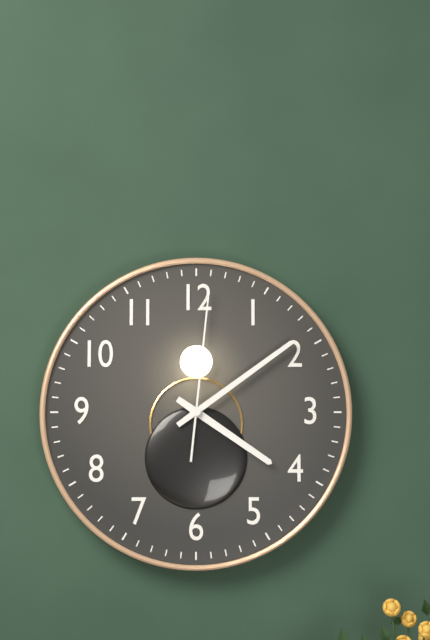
4:09:01
